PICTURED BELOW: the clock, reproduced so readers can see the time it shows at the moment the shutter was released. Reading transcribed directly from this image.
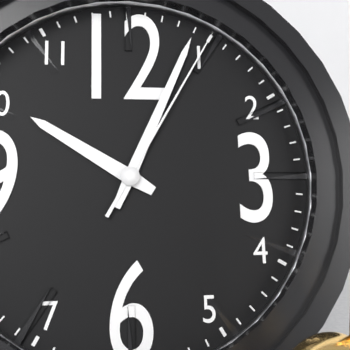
10:04:05
